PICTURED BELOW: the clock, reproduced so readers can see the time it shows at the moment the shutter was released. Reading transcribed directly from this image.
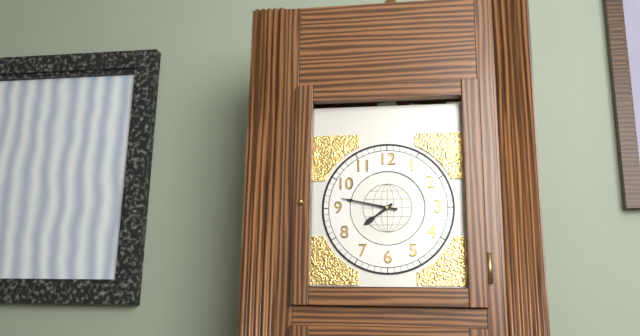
7:47
